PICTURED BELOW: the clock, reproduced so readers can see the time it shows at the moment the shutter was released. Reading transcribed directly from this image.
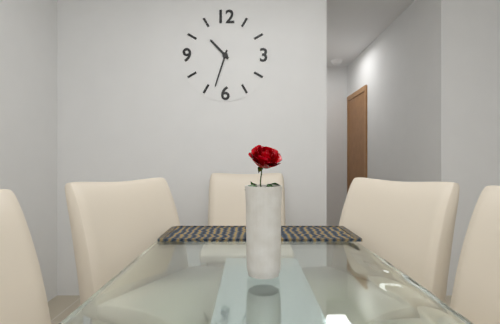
10:33
